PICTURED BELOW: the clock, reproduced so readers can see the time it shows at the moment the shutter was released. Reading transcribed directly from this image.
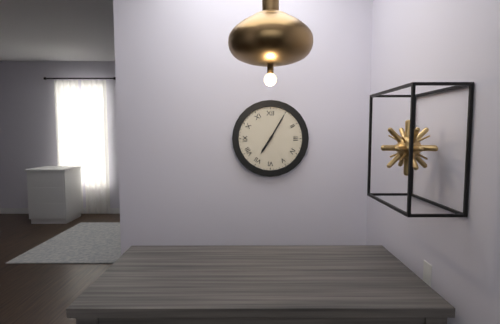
7:05
